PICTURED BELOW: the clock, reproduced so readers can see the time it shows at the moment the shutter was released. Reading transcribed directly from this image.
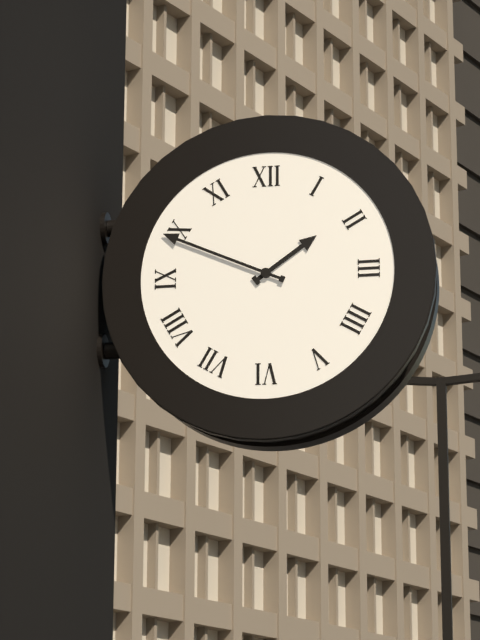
1:49
